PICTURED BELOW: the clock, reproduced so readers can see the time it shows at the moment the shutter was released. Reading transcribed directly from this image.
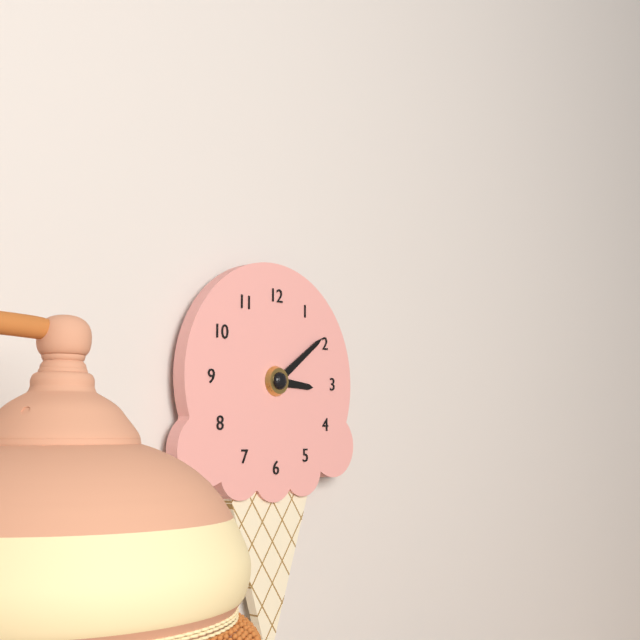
3:09
